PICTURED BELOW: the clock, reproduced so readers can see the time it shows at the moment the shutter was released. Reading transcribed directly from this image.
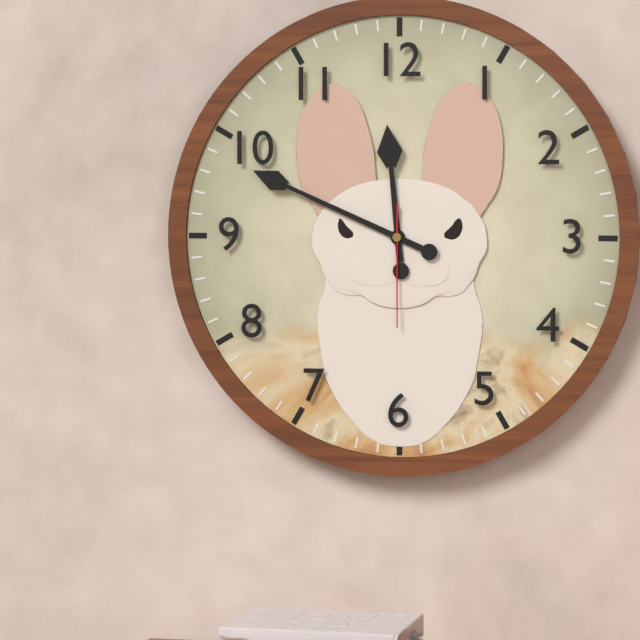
11:49:30
